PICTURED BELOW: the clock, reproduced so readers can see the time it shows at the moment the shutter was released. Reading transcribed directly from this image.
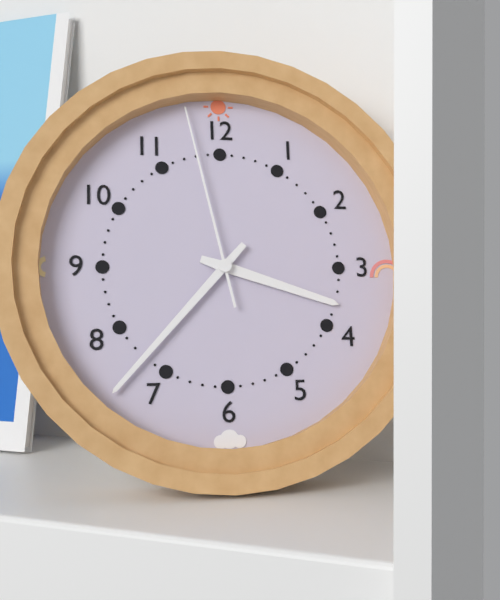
3:37:58
